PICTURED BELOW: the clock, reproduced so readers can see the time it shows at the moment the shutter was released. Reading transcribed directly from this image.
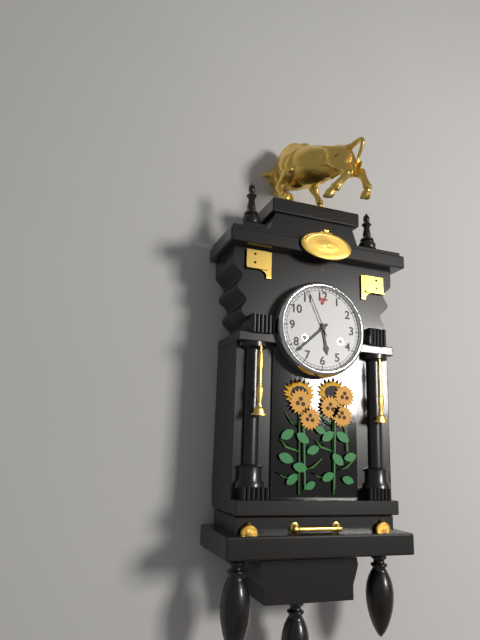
5:38:56
